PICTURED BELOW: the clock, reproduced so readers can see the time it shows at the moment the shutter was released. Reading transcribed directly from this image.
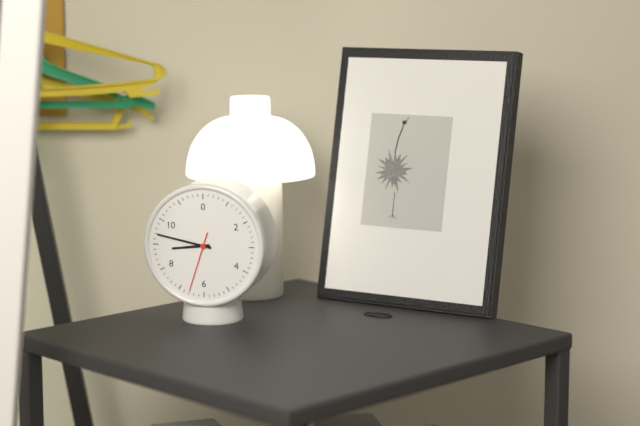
8:47:33
